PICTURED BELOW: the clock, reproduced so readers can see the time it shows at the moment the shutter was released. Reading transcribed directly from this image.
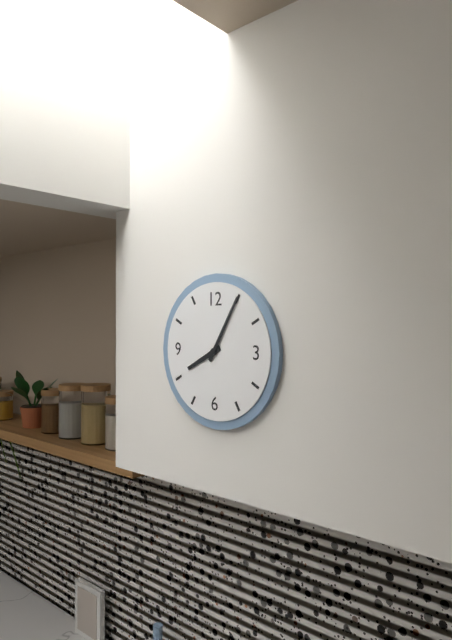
8:05
